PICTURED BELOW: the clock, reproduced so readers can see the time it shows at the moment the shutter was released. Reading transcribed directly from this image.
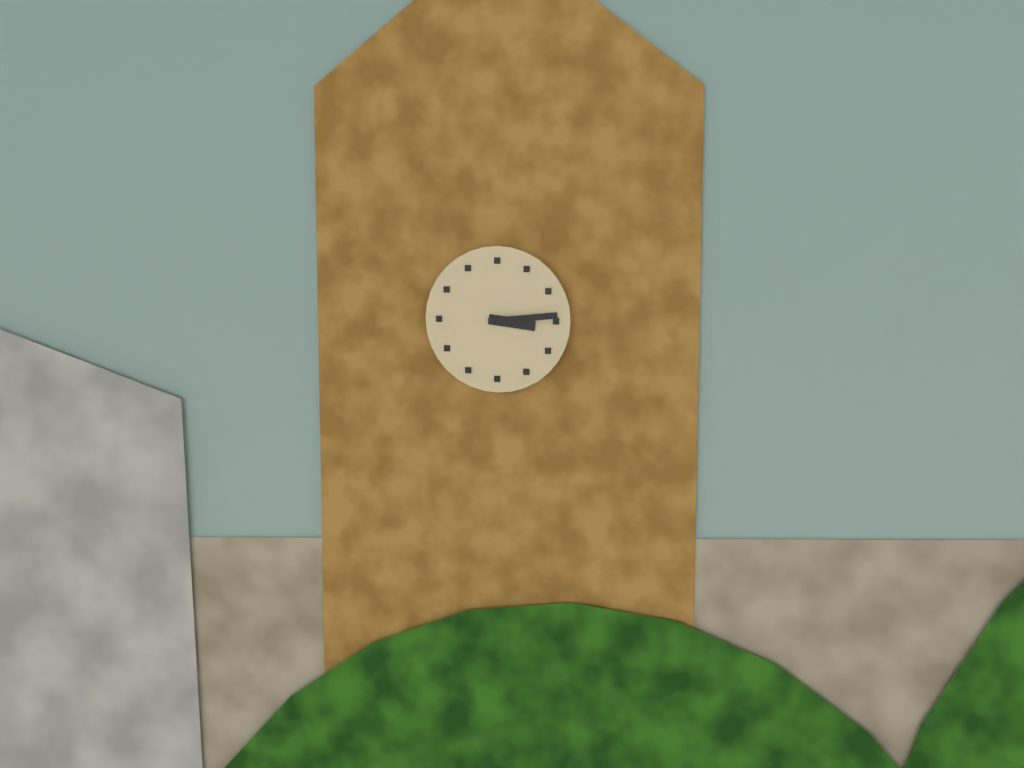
3:14
